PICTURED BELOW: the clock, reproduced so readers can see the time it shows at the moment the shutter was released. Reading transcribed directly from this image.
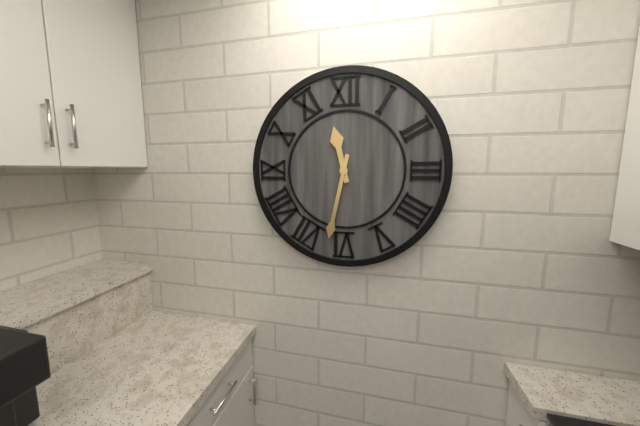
11:32
